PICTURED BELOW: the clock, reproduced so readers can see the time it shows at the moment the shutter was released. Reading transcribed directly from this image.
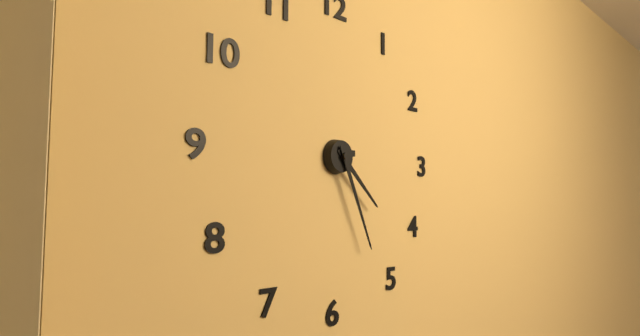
4:26
